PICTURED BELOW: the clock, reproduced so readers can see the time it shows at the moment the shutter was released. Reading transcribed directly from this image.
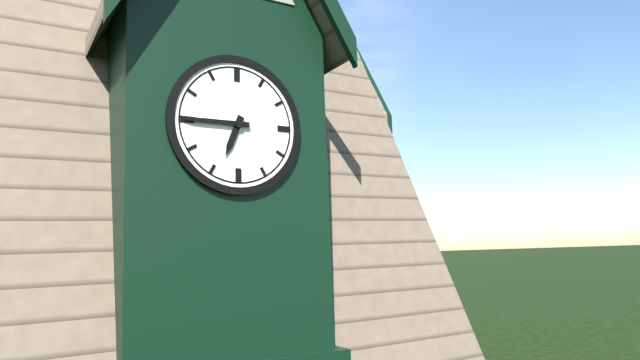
6:45
